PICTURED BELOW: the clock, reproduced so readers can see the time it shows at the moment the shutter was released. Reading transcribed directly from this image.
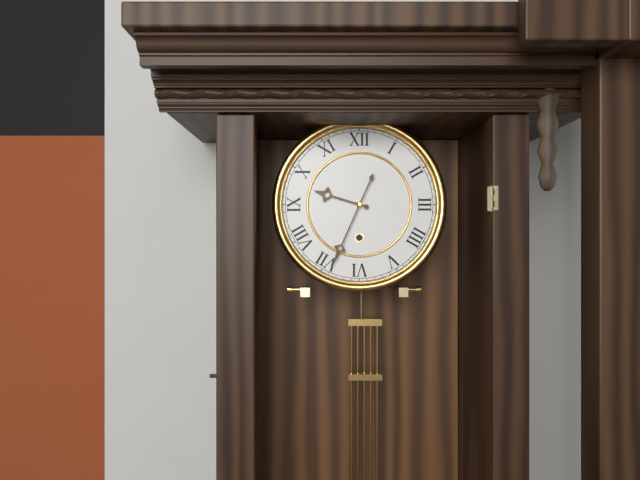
9:34
